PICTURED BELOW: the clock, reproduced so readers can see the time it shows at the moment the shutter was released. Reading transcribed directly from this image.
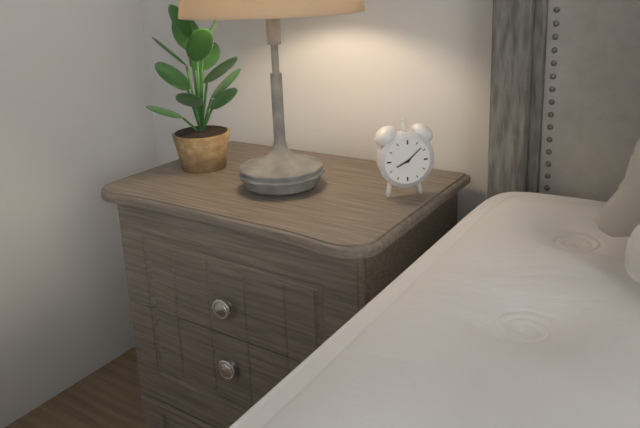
8:08
